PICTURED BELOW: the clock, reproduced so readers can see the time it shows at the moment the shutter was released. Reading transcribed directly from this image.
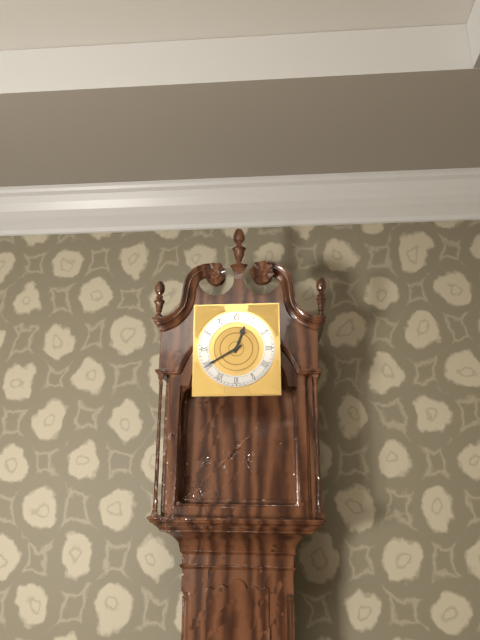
12:40
